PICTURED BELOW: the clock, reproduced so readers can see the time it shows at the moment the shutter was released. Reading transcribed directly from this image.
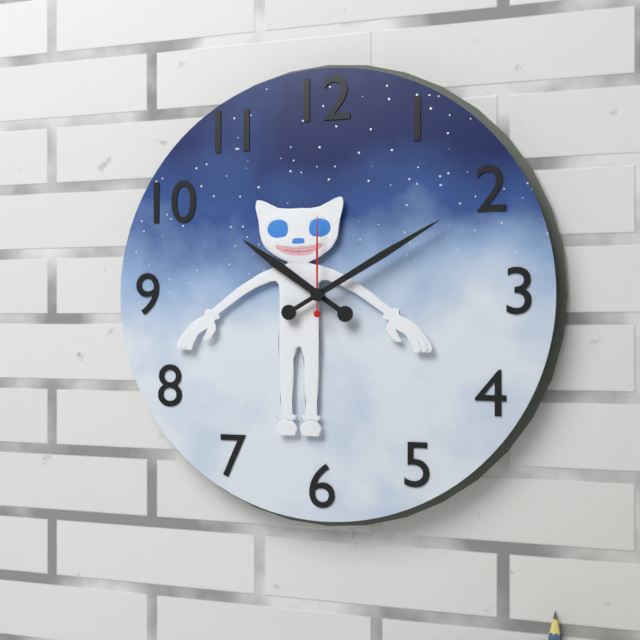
10:10:00
